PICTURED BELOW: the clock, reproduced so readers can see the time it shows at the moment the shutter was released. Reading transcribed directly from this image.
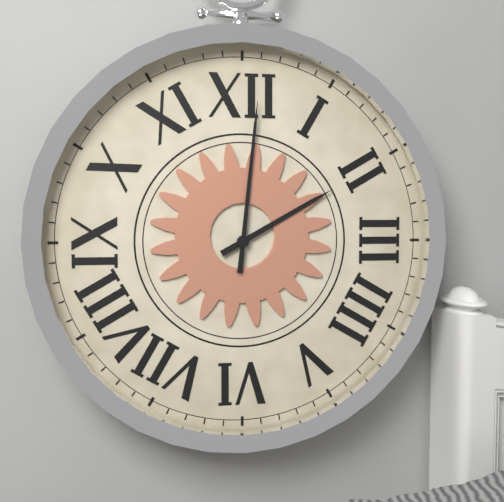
2:01
